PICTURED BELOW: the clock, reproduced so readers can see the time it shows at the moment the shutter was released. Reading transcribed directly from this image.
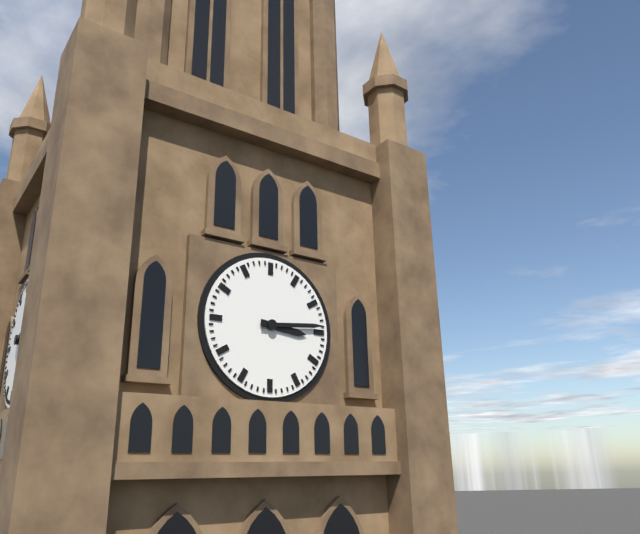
3:14
